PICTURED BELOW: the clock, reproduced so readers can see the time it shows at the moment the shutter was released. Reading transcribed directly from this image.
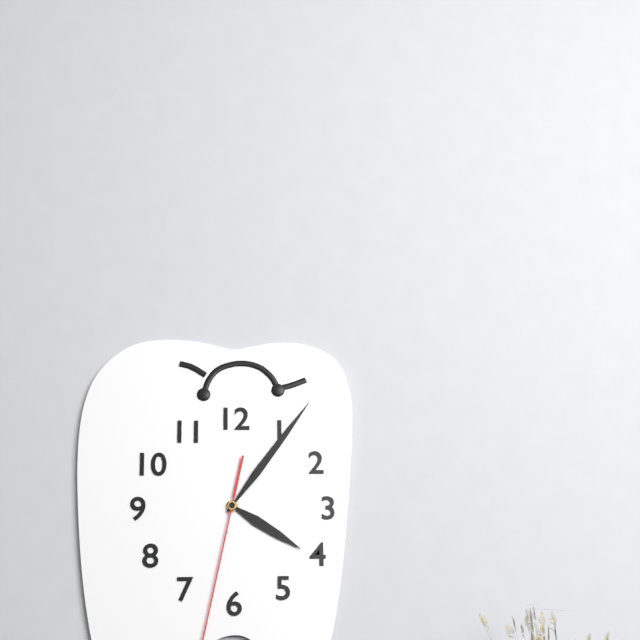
4:06
